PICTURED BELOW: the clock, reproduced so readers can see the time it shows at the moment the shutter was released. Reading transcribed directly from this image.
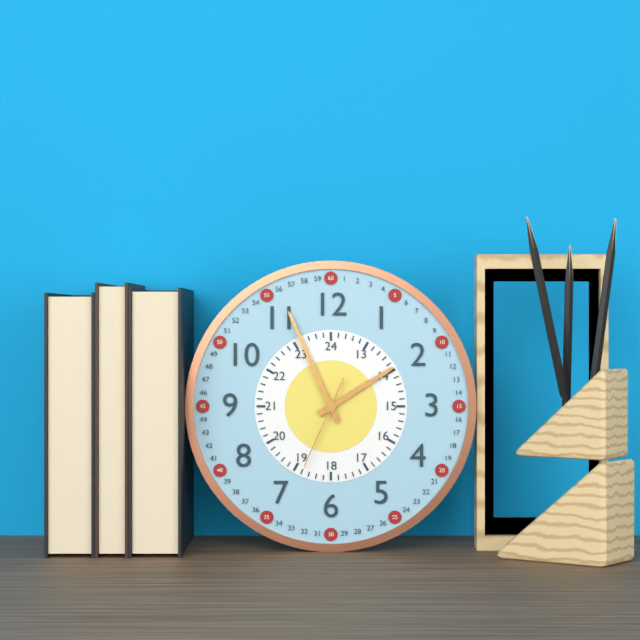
1:56:34
